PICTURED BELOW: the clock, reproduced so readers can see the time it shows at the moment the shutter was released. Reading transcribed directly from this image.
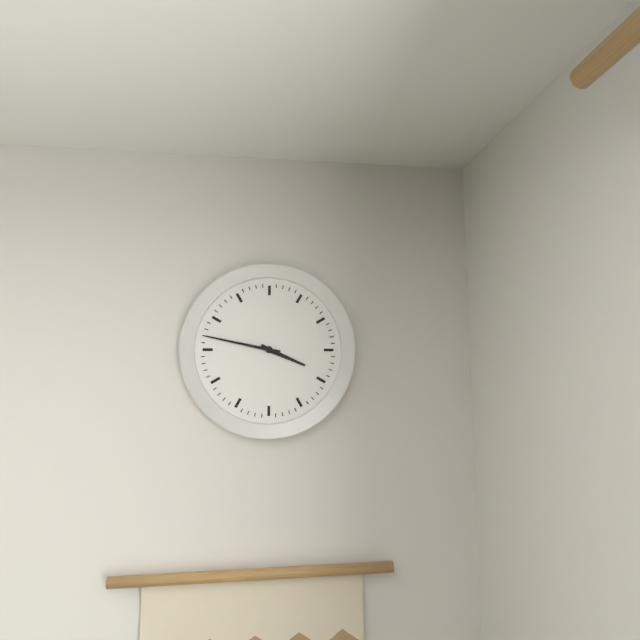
3:47
